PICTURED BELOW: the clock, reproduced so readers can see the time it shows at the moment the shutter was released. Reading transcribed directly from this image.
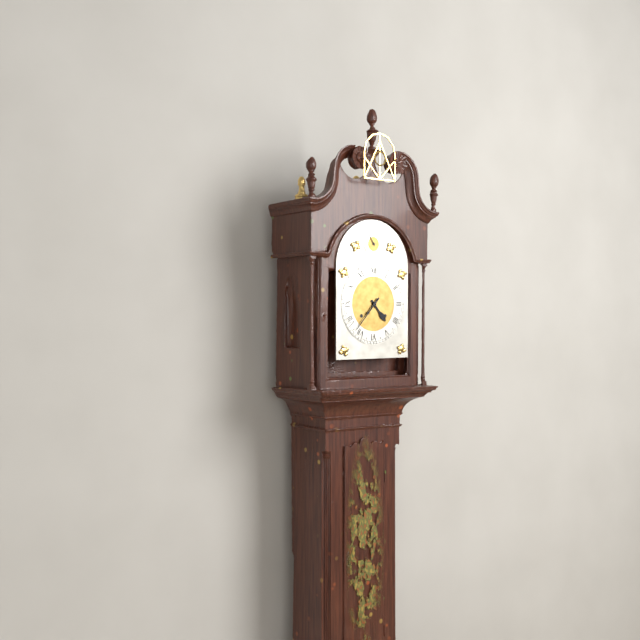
4:37
